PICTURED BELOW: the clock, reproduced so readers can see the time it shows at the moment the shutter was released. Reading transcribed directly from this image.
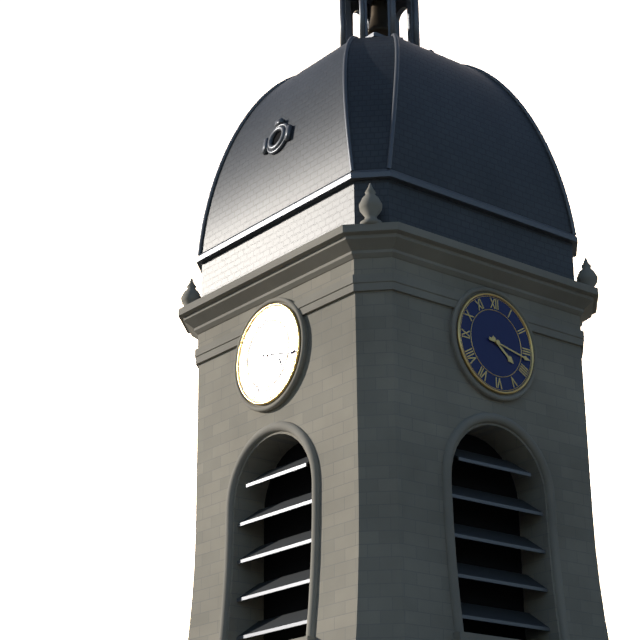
4:17
